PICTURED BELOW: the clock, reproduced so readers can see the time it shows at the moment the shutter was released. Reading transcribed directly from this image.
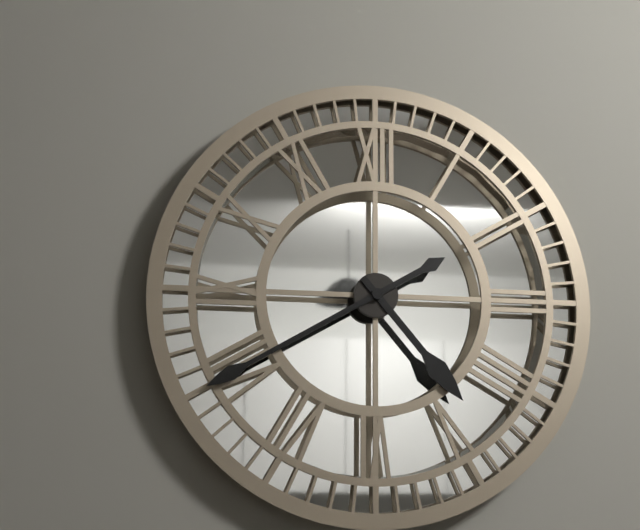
4:40
